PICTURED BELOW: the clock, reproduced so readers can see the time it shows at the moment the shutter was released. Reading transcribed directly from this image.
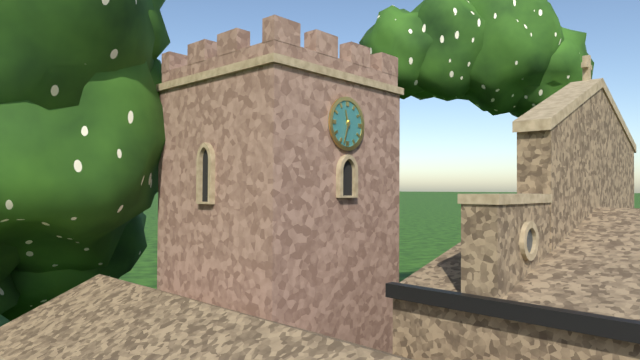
11:33
